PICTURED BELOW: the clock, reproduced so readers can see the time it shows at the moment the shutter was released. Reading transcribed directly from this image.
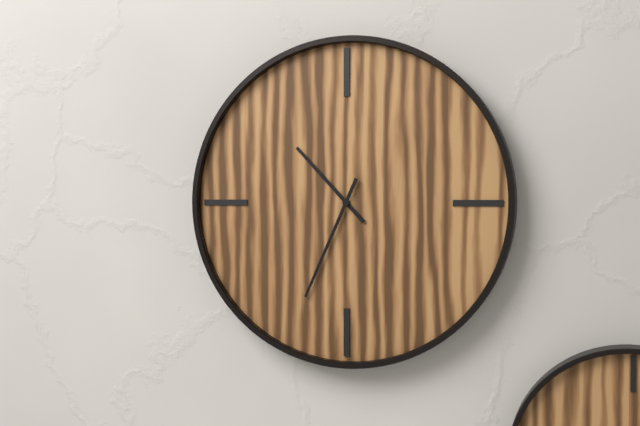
10:34
